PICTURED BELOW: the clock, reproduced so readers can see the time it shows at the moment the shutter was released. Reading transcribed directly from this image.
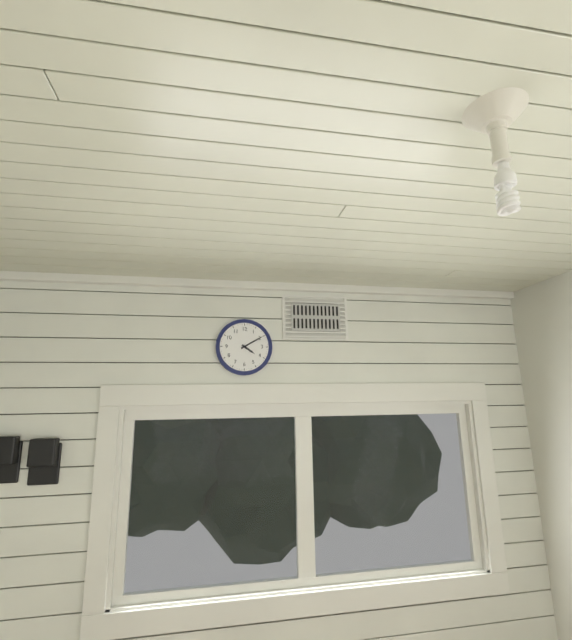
4:10
